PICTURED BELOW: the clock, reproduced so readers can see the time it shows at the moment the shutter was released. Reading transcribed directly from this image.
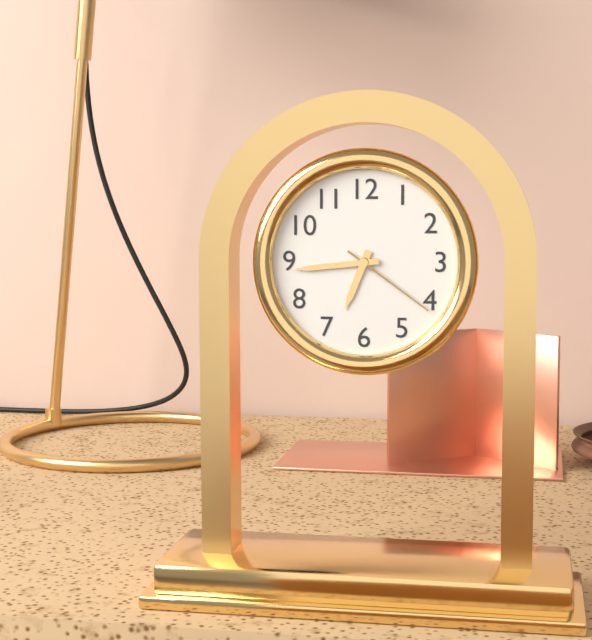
6:44:21
